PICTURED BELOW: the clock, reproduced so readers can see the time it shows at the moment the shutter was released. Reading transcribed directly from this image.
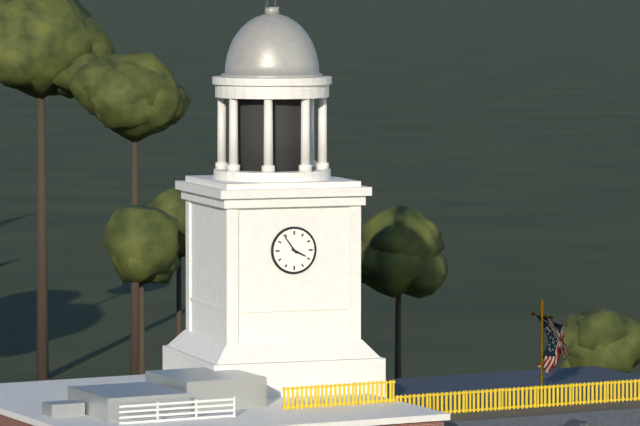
3:54
